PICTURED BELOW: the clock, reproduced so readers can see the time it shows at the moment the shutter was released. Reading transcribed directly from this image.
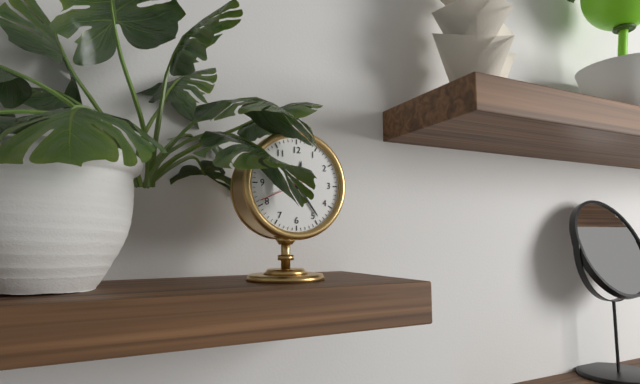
12:24
